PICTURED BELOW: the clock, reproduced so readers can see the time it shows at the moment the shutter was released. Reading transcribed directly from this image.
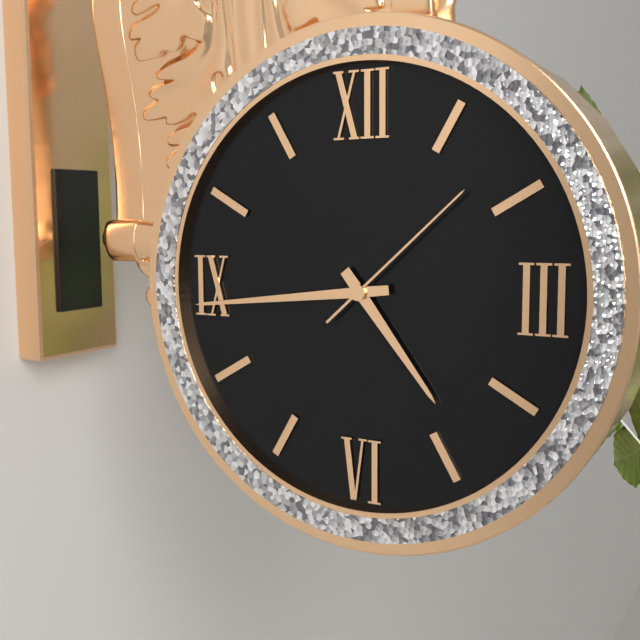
4:44:08
